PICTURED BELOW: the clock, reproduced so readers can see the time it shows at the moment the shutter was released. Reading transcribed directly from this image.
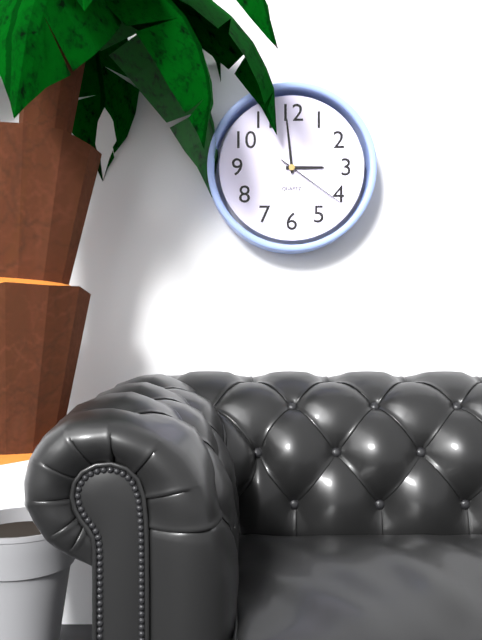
2:59:21
